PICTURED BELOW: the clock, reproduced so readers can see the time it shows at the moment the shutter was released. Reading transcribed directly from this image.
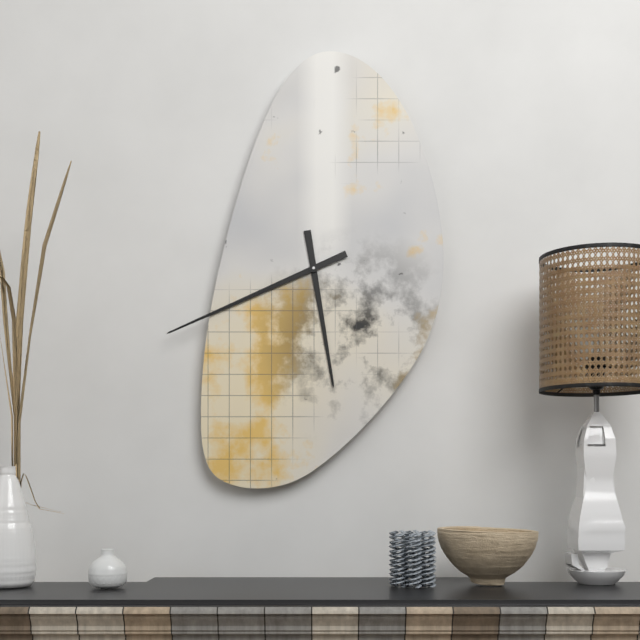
5:41
